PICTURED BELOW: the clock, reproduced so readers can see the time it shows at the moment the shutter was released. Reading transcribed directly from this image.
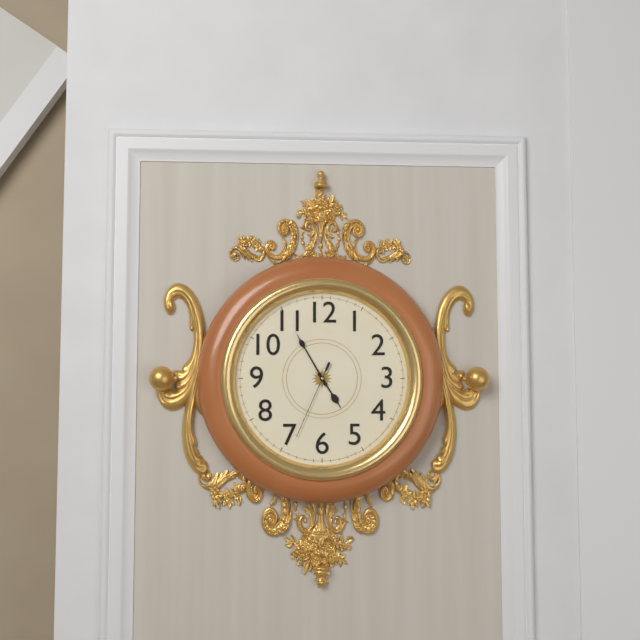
4:55:34
